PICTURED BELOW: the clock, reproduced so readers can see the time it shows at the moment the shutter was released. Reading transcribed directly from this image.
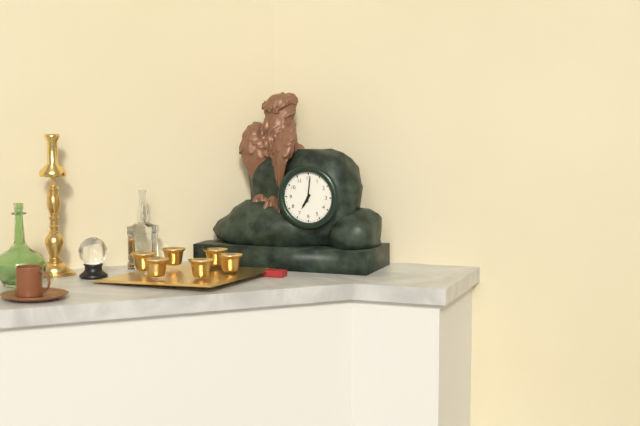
7:01
